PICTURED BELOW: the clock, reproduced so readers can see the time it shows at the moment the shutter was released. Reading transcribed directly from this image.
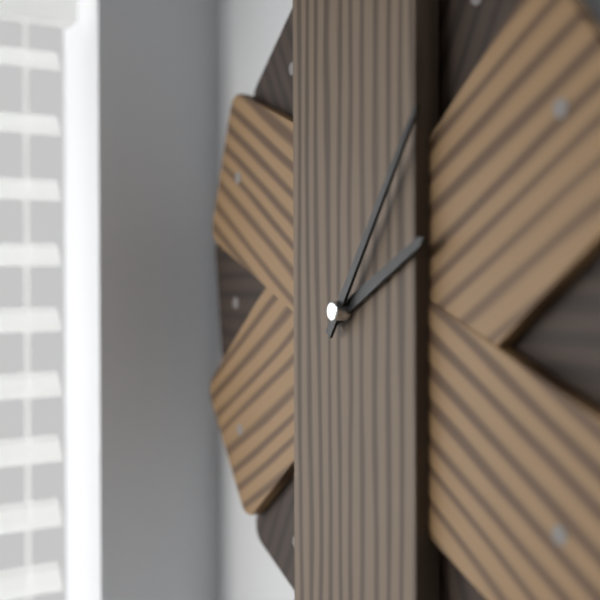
2:06
